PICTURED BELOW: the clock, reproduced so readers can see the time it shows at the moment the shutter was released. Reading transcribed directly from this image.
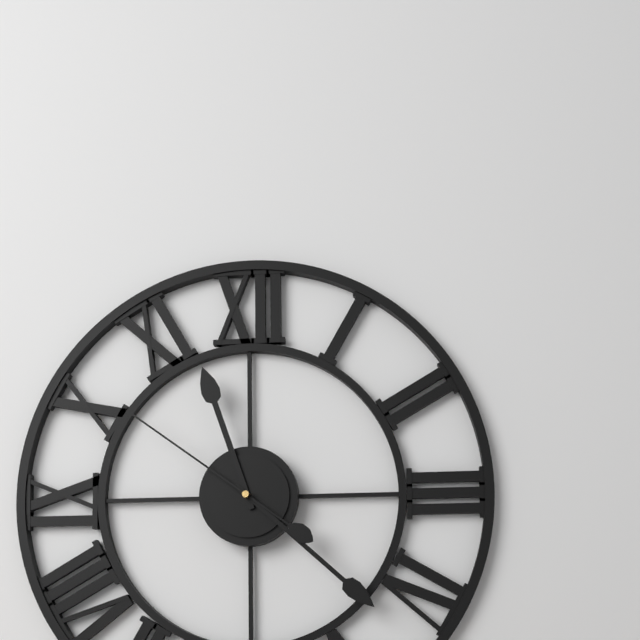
11:22:51
